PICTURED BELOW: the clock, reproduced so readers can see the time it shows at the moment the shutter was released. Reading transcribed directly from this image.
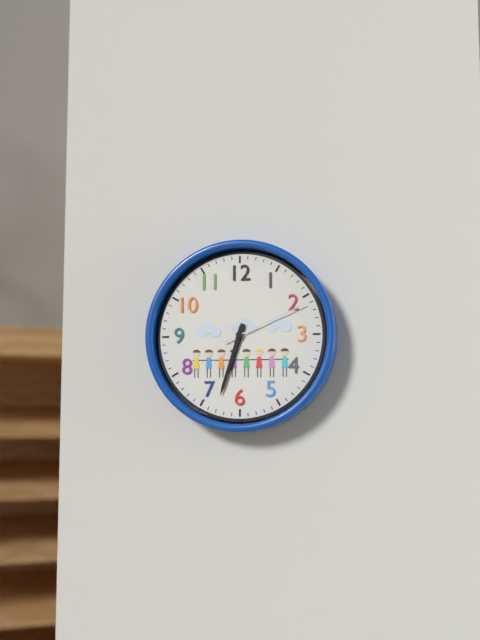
6:33:11
